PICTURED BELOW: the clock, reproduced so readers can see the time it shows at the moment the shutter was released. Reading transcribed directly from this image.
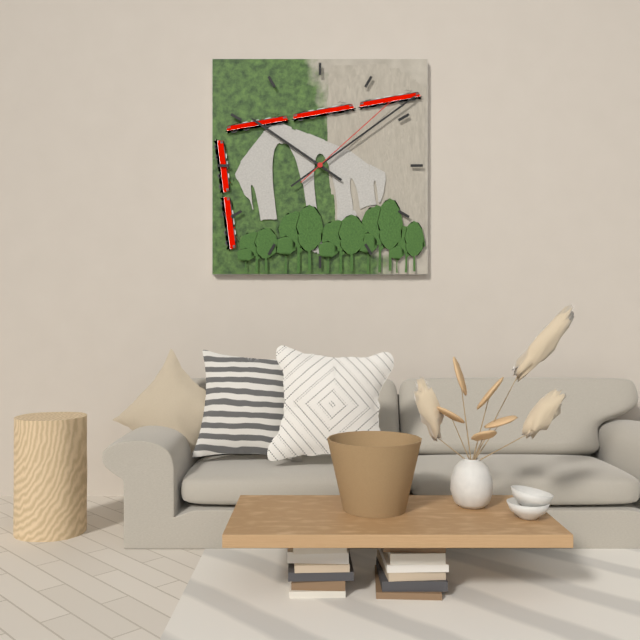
10:09:08
